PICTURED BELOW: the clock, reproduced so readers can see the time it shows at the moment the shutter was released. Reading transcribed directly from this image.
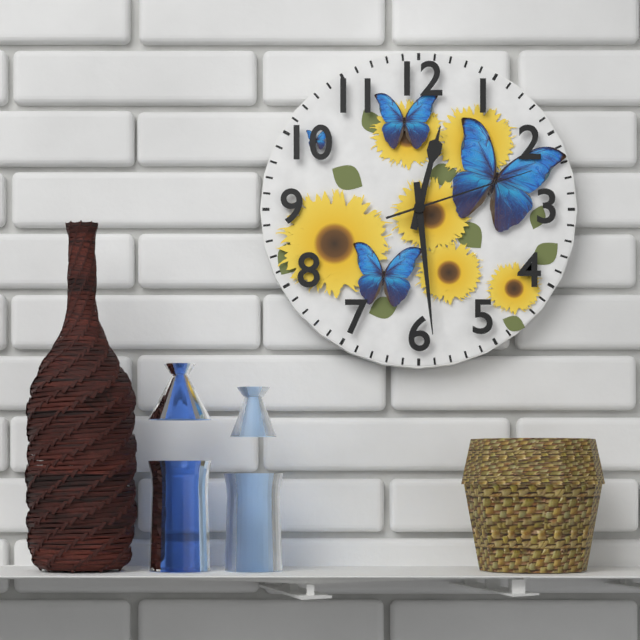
12:29:12
